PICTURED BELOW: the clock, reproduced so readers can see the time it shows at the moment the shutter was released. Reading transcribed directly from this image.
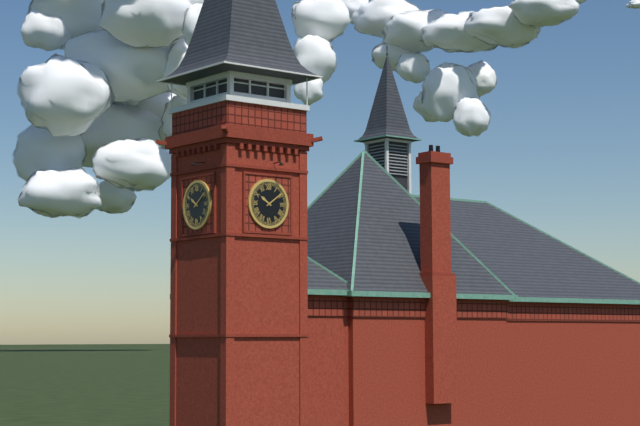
10:09
